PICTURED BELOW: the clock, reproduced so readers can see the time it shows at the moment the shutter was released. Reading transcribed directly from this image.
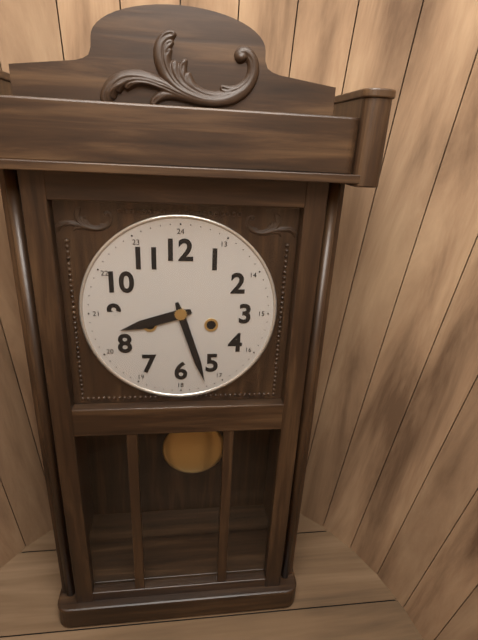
8:27
